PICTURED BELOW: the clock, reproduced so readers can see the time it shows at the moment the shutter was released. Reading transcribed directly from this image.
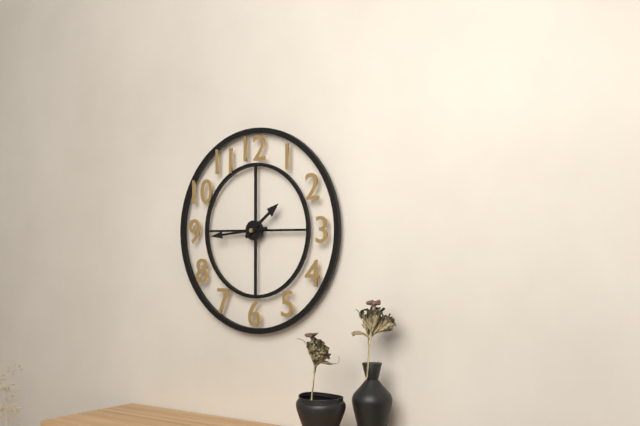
1:44
